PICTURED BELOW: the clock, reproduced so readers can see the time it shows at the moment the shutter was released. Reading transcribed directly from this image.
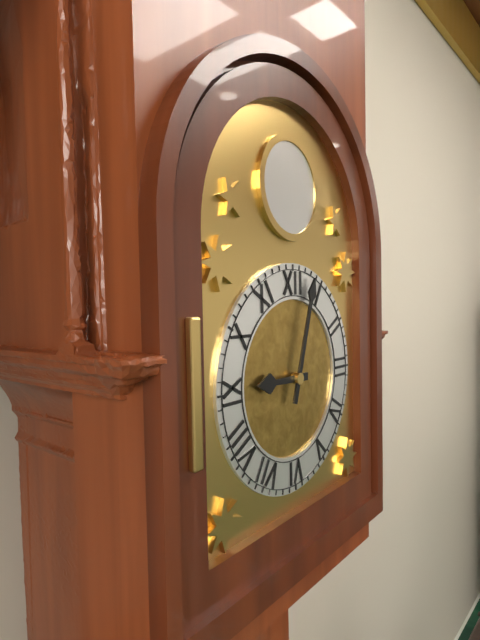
9:03
